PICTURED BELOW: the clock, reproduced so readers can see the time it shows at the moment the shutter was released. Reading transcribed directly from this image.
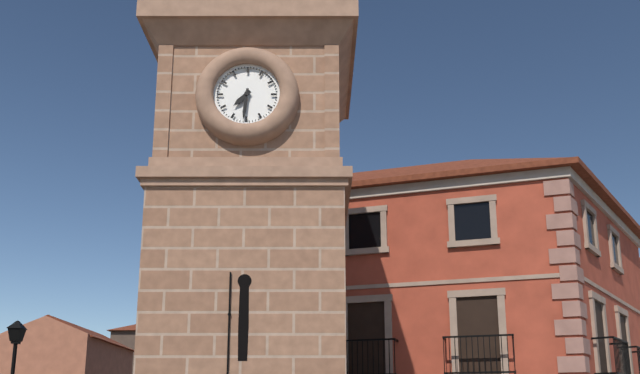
7:31
